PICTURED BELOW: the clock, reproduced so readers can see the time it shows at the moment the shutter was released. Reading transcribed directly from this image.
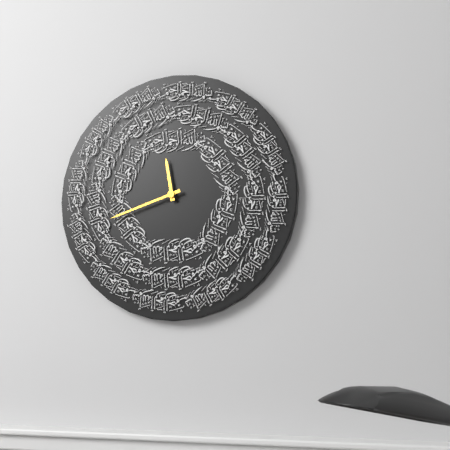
11:42
